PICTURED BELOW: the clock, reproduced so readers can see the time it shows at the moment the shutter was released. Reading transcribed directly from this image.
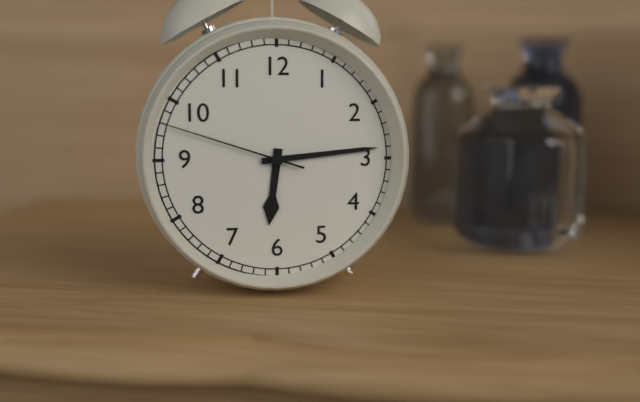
6:14:48
